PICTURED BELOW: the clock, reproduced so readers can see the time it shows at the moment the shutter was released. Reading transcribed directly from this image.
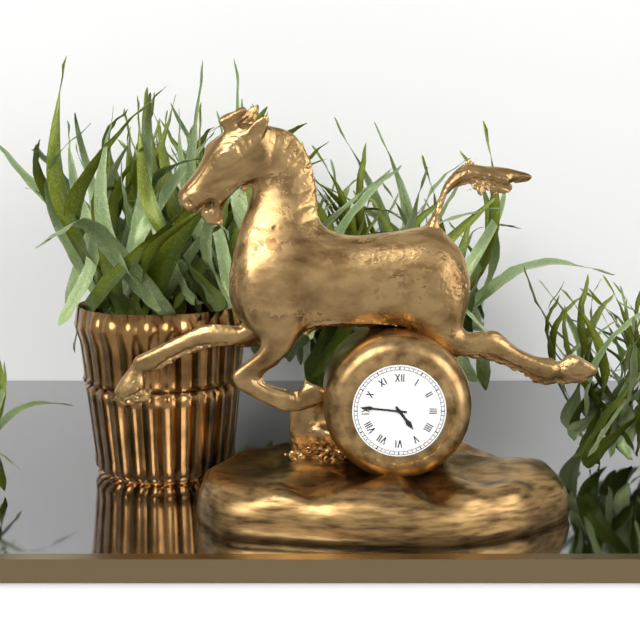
4:46
